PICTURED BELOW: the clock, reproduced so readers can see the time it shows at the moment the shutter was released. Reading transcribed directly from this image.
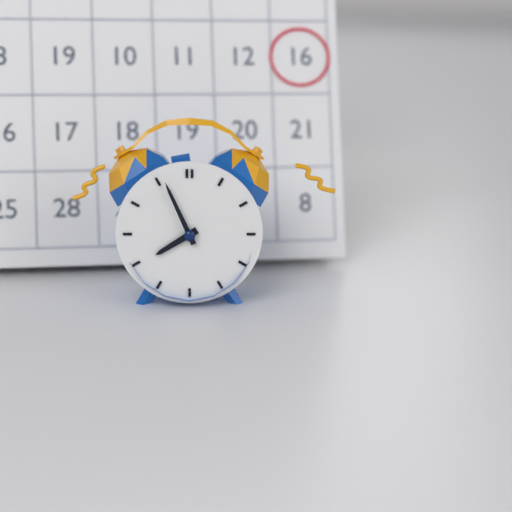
7:56
